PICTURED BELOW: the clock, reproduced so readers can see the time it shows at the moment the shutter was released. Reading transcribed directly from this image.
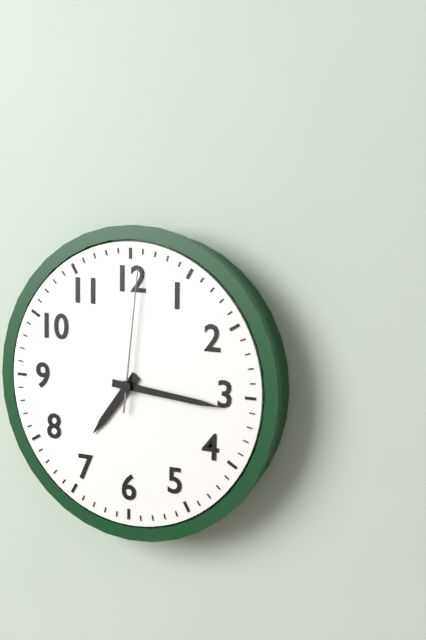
7:16:01
